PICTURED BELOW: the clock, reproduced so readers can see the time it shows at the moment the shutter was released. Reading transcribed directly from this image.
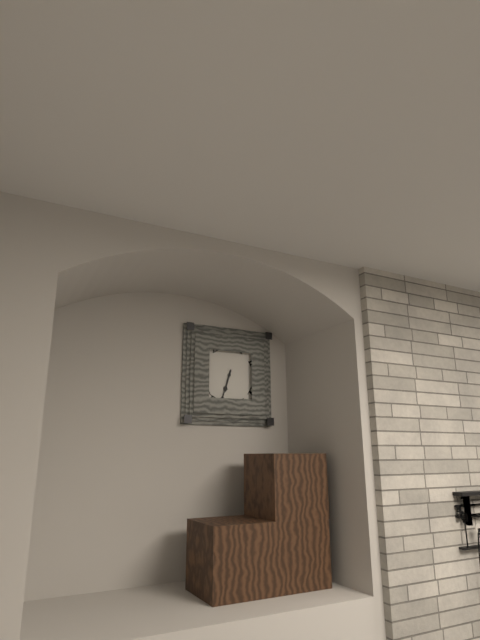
6:33
